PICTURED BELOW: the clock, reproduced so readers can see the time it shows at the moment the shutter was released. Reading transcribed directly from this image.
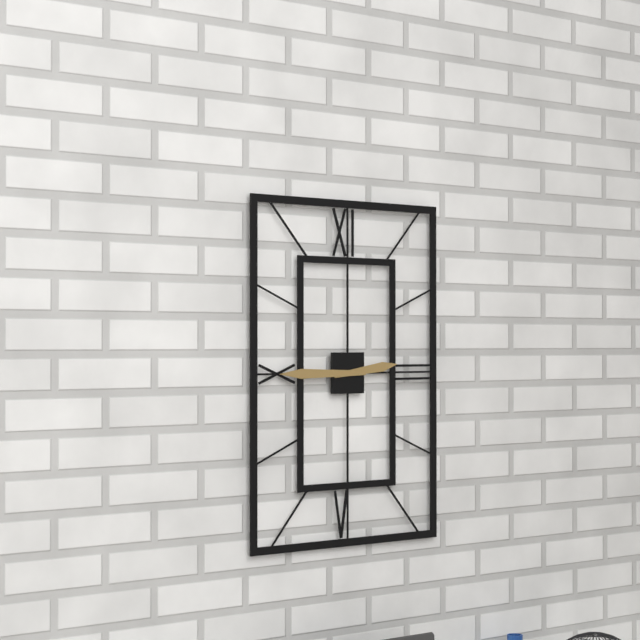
2:45
